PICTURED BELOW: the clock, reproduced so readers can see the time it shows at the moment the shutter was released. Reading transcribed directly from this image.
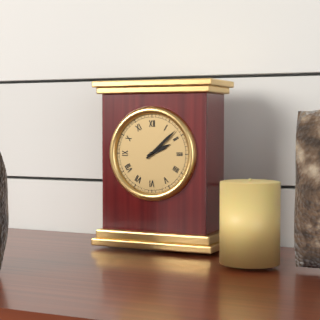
2:08
